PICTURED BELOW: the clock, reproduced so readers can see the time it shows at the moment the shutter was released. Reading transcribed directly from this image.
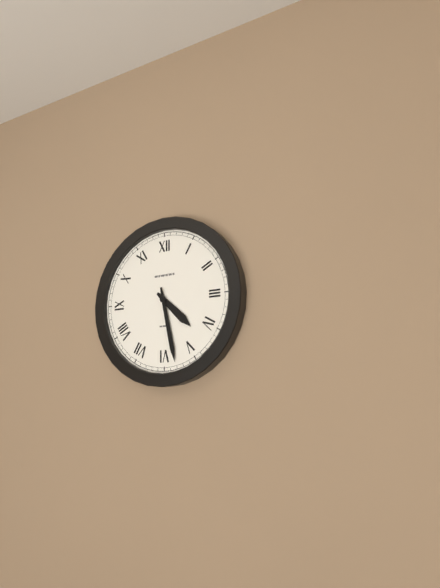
4:28
